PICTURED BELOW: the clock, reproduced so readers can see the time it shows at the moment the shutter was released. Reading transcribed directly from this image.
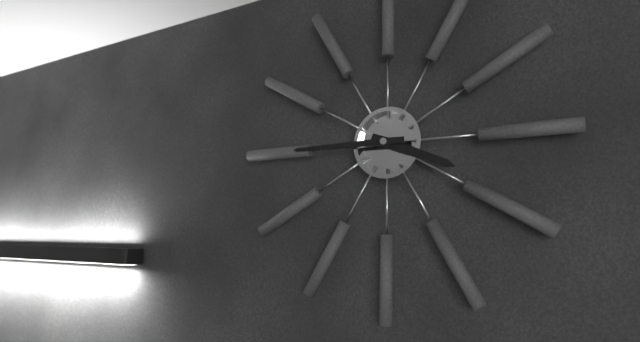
3:45
